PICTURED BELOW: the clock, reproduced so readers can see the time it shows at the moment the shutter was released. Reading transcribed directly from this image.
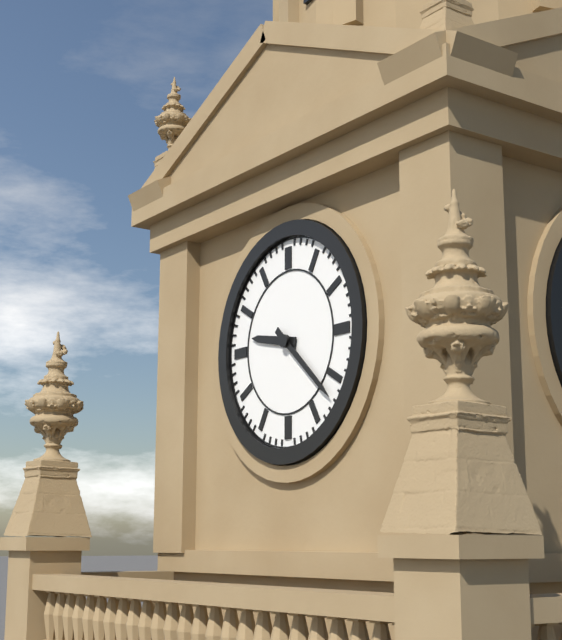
9:22
